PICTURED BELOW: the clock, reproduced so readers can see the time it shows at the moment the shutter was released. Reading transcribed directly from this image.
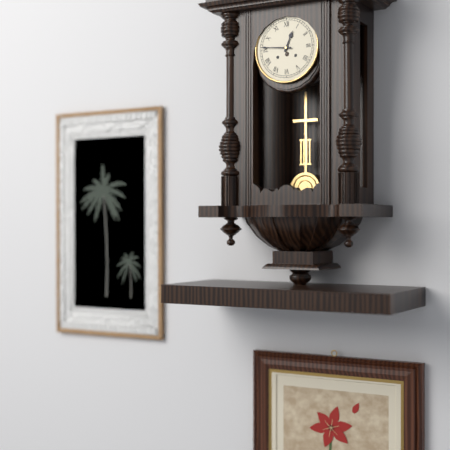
12:46
